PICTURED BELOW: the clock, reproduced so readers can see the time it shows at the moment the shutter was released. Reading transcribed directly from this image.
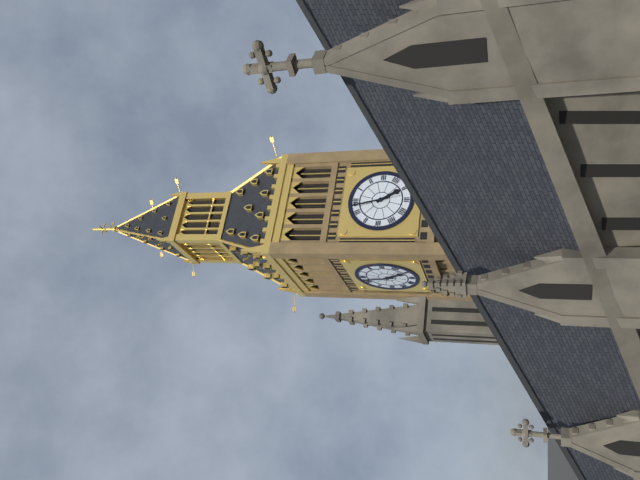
4:58
